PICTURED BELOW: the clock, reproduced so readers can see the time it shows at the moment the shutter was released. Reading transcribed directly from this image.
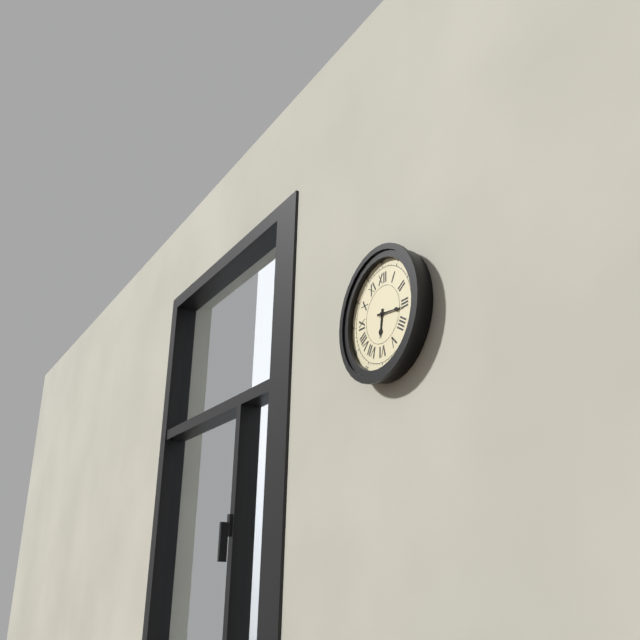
6:16
